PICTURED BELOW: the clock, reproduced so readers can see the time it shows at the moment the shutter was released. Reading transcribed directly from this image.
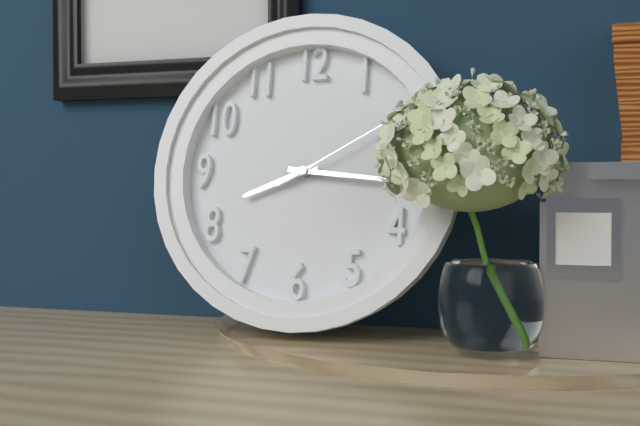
8:16:10
